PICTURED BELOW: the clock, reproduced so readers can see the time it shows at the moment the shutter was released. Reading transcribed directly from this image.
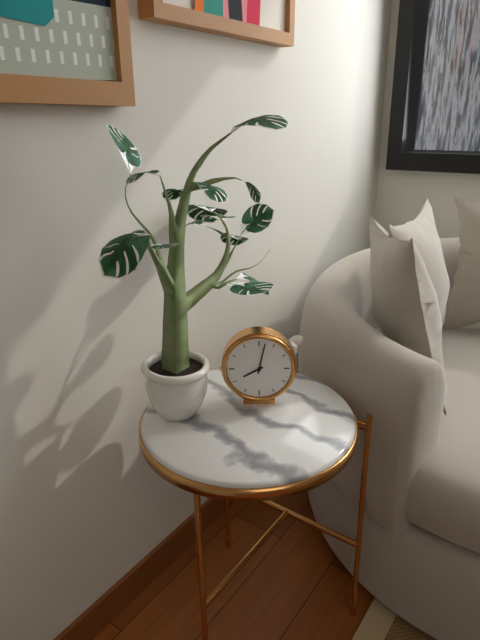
8:02
